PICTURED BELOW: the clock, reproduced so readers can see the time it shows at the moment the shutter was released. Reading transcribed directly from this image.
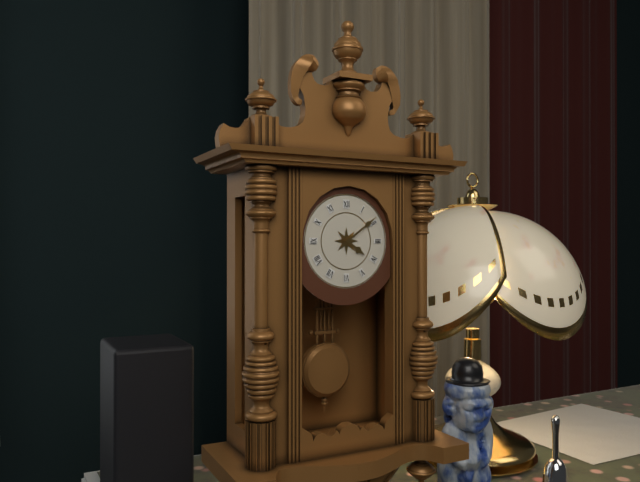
4:09
